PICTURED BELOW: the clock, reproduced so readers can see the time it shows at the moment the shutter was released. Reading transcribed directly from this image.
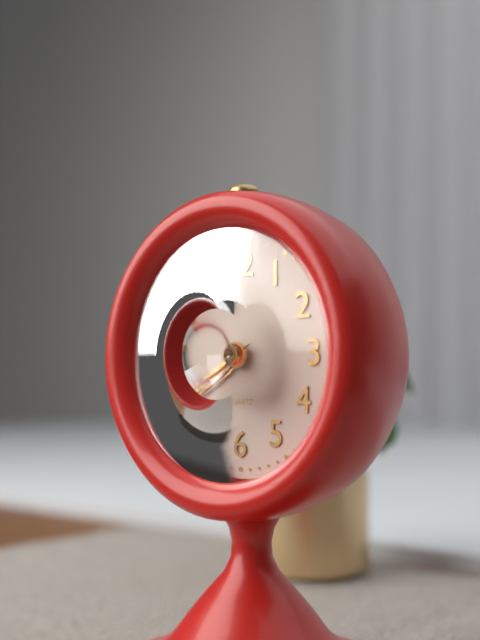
7:39:40
